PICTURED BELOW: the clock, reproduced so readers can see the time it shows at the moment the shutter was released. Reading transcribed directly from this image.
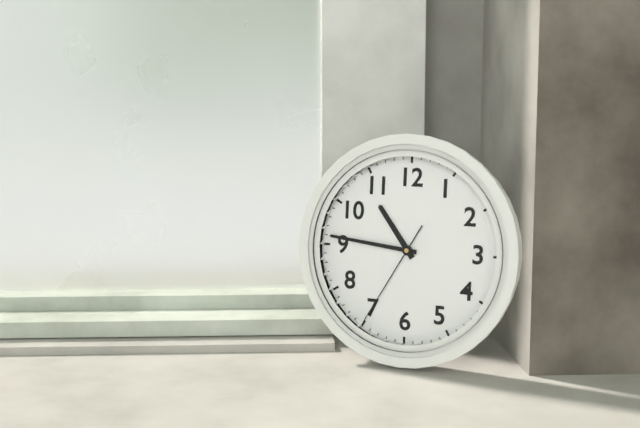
10:46:35
